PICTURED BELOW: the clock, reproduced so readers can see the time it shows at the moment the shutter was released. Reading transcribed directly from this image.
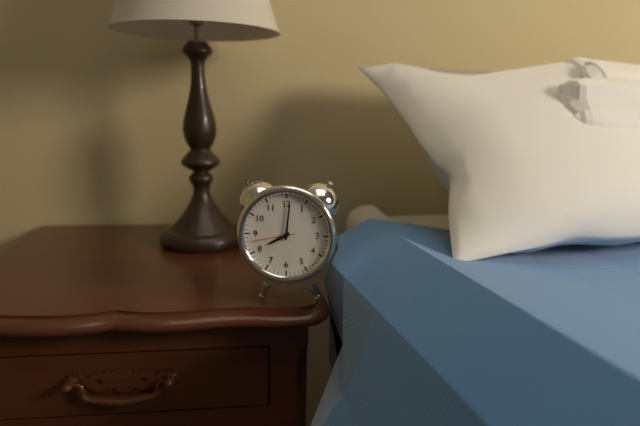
8:01
